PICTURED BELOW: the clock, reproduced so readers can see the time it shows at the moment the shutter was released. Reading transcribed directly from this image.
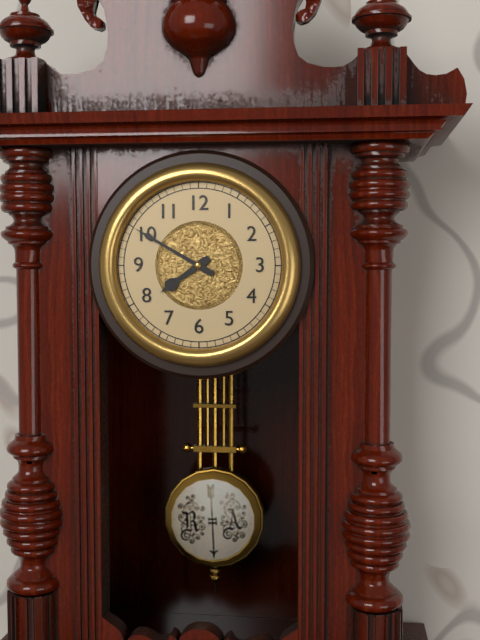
7:50
